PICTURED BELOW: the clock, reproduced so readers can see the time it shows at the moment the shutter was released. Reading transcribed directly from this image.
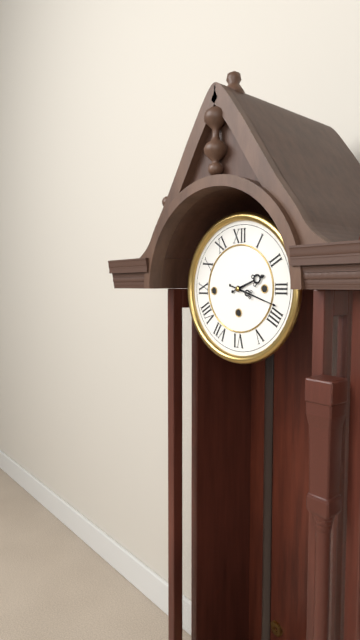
2:18
